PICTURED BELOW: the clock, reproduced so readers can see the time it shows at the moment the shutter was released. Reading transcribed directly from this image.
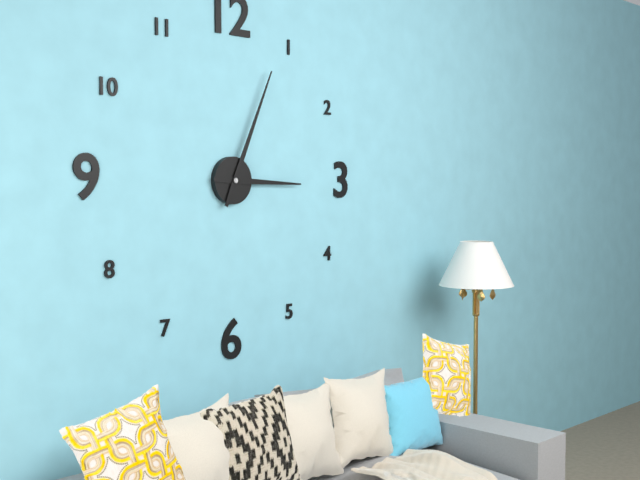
3:04
